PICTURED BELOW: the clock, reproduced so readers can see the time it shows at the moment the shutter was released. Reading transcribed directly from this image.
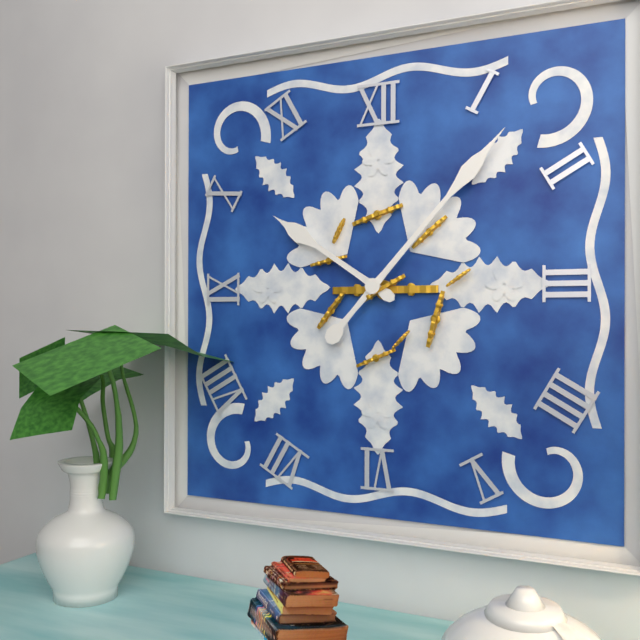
10:07
